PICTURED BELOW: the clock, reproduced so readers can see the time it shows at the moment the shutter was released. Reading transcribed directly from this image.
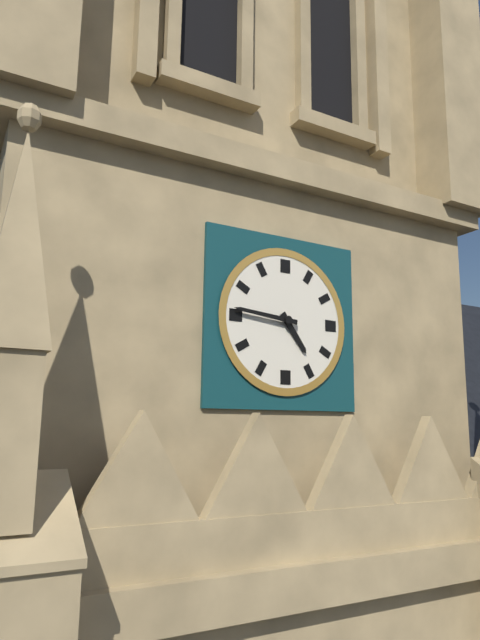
4:46
